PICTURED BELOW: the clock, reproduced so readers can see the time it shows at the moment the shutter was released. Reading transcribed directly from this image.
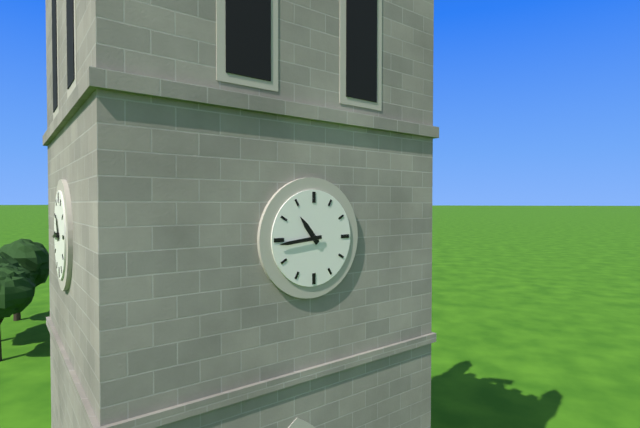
10:44
